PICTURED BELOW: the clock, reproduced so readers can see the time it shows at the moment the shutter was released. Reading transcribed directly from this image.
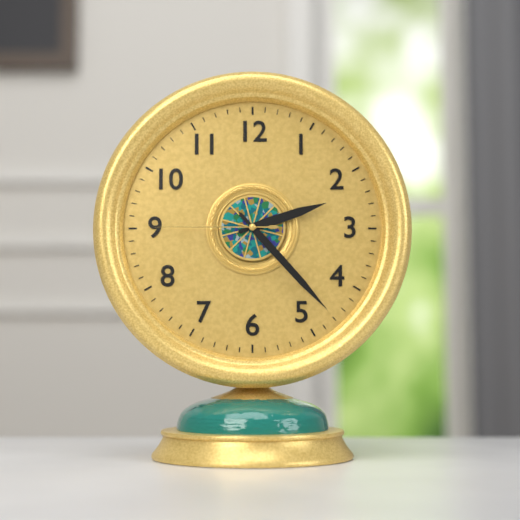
2:23:45
